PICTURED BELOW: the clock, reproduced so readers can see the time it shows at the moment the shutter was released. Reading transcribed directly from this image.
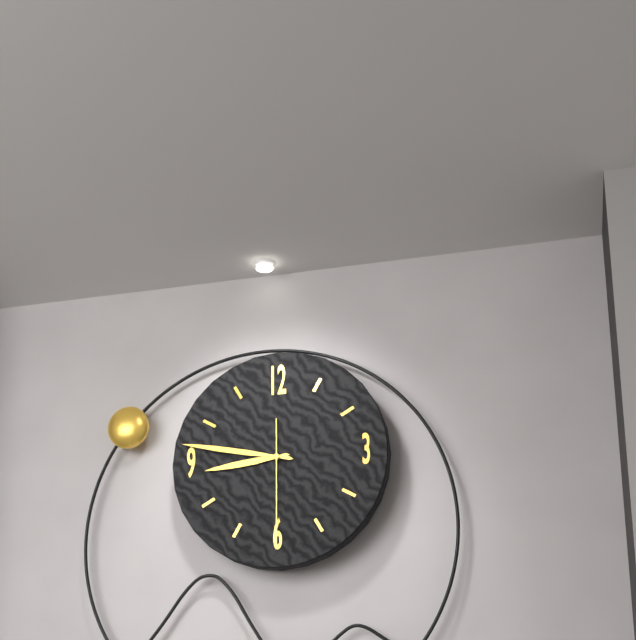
8:47:30
